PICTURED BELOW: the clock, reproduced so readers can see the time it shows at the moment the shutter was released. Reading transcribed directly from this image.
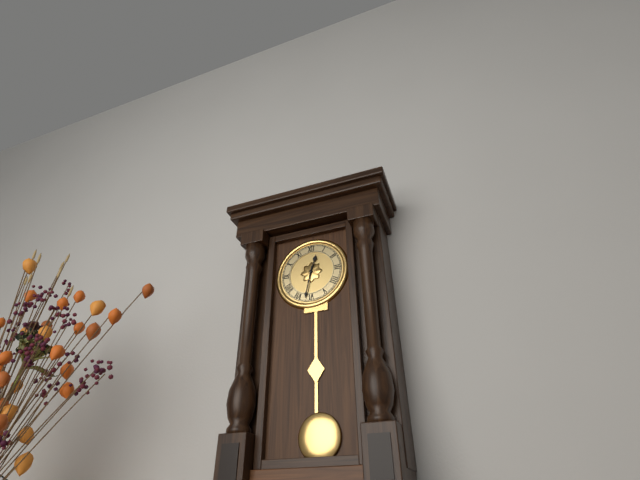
12:32
